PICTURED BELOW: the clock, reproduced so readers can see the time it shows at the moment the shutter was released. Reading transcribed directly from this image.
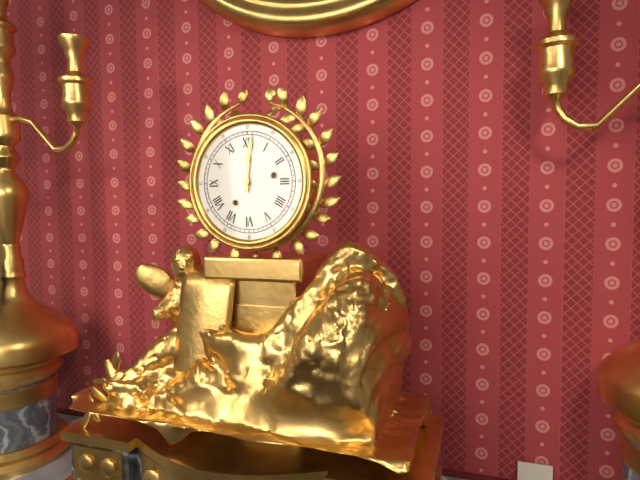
12:01
